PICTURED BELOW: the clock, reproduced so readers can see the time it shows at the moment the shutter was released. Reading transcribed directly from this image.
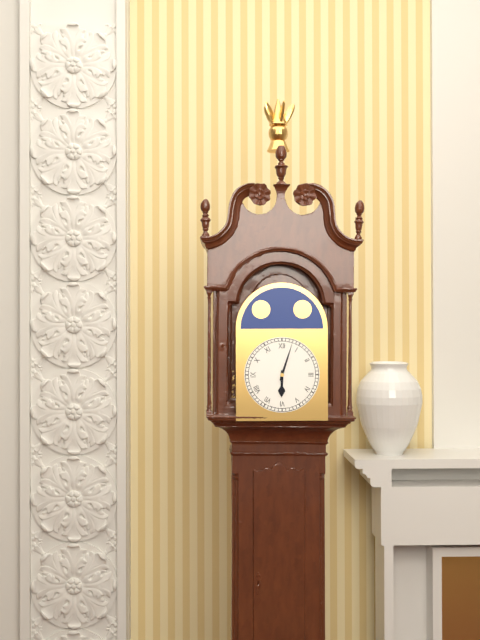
6:03
